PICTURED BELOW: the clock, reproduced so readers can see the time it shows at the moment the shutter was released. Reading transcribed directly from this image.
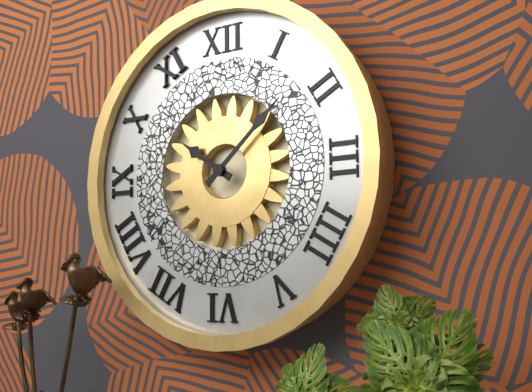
10:08
